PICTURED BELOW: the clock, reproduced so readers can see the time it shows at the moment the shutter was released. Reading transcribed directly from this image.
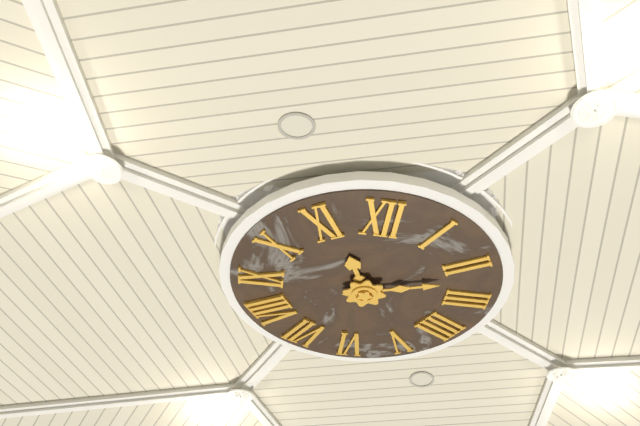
11:12
